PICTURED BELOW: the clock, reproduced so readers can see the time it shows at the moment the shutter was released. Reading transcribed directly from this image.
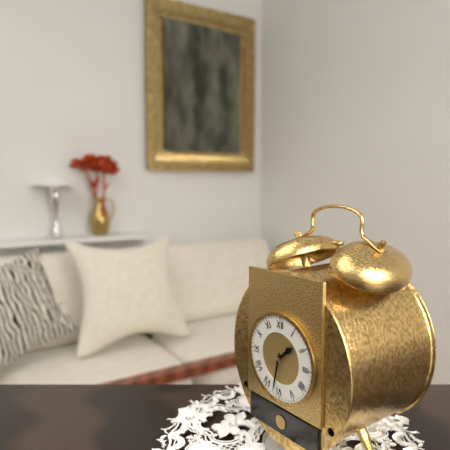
1:32
